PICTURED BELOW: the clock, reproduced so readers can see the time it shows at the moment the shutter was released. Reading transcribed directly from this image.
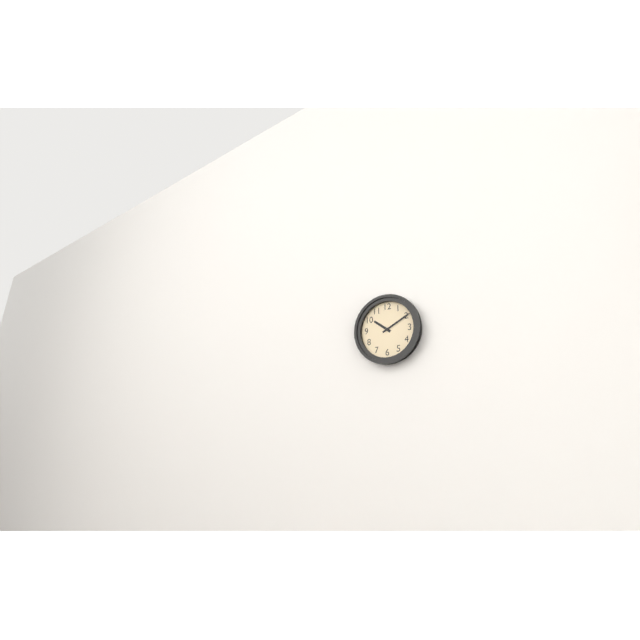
10:10
